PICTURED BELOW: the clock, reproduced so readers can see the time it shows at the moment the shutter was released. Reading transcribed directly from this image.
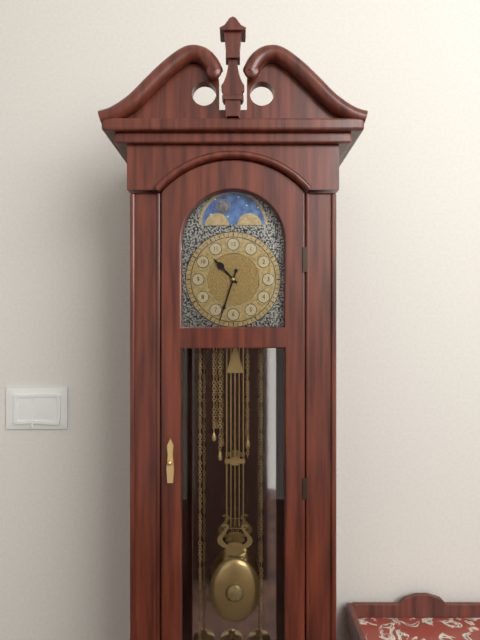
10:33
